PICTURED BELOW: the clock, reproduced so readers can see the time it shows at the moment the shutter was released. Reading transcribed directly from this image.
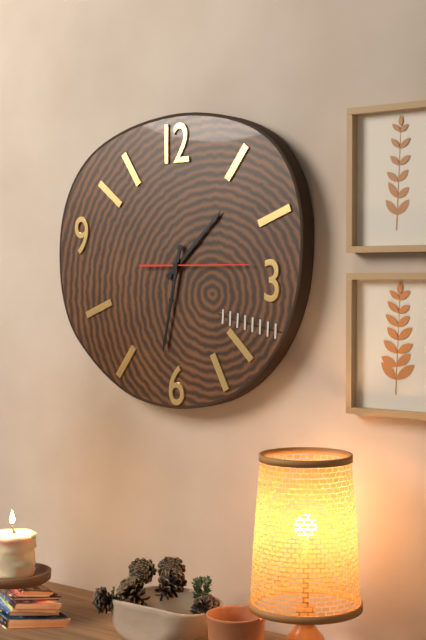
1:32:15
